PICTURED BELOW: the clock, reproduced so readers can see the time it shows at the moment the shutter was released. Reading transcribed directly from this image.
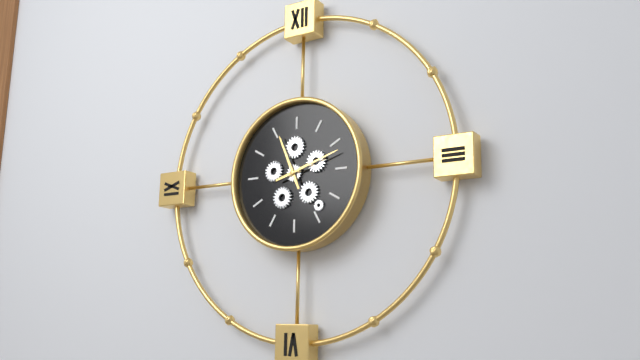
11:12
